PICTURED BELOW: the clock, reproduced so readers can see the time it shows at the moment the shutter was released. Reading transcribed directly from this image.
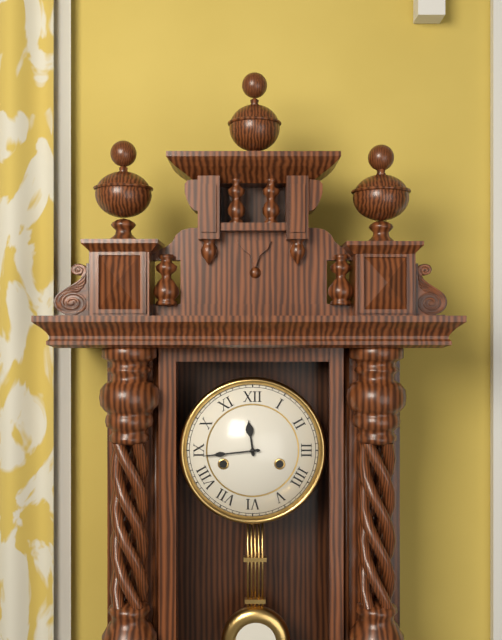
11:44
